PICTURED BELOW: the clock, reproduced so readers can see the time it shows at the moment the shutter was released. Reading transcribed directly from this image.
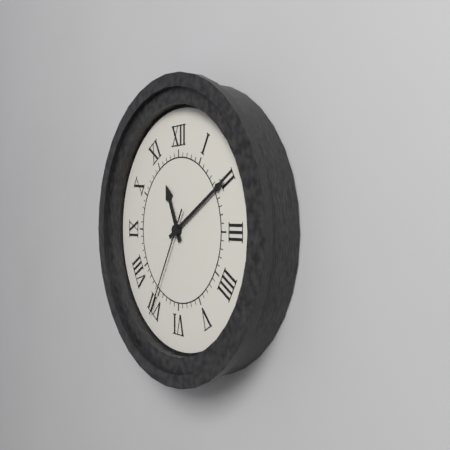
11:10:35
